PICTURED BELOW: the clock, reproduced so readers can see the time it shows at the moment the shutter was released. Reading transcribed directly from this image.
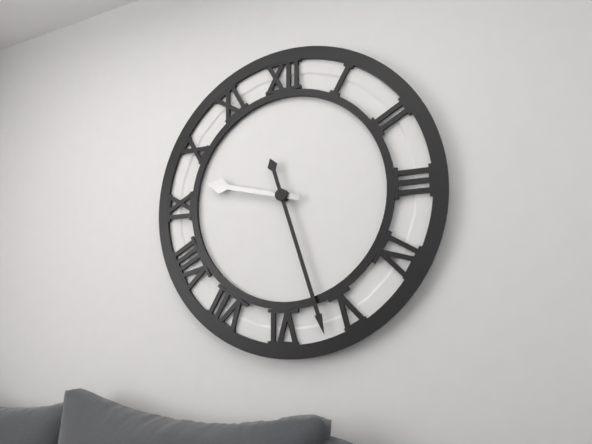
9:27
